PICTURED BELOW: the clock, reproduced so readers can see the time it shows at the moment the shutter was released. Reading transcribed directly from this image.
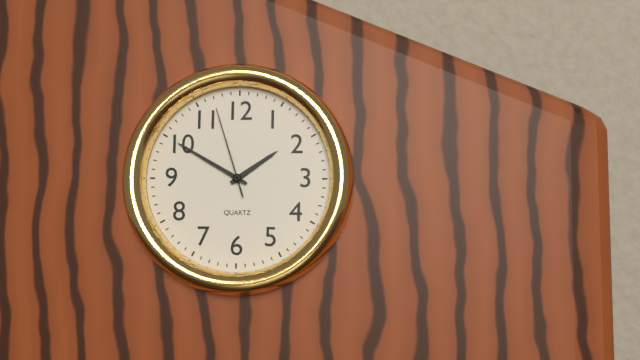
1:50:57
